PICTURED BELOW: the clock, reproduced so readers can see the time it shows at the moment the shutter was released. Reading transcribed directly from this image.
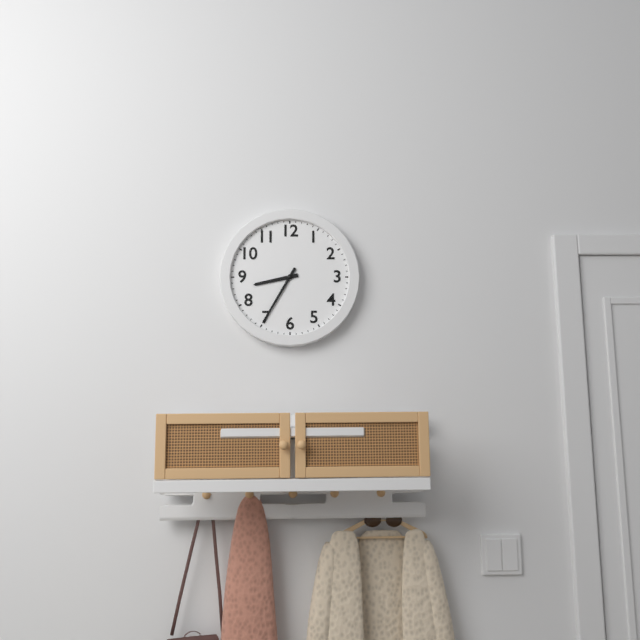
8:35
